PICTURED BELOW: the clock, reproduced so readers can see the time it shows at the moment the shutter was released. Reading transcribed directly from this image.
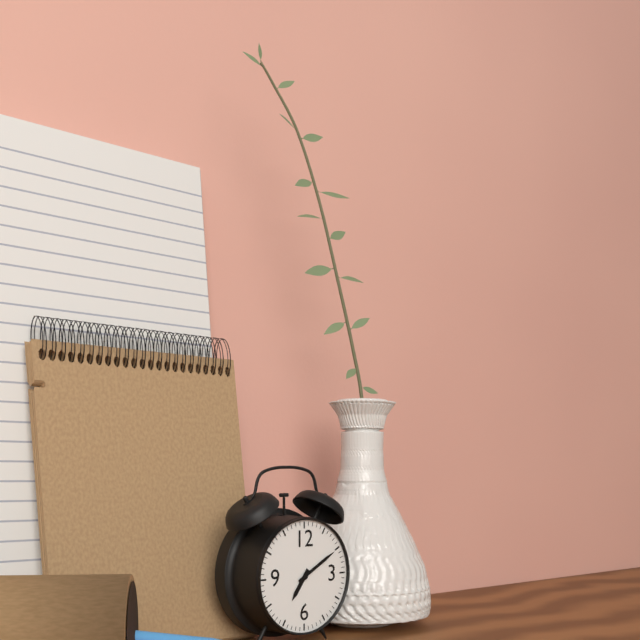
7:10
